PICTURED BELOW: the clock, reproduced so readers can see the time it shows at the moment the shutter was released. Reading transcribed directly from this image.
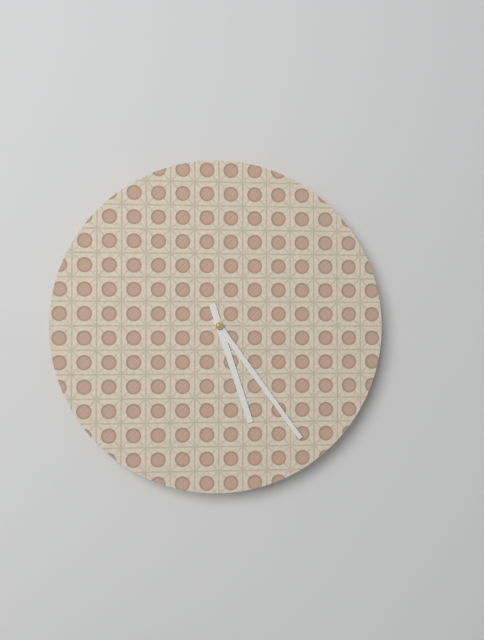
5:24
